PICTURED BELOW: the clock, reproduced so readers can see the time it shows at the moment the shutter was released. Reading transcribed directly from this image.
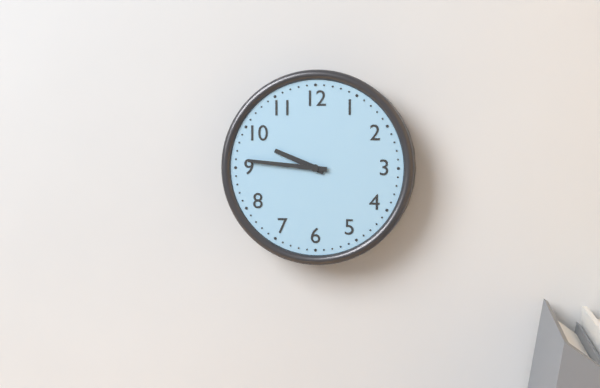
9:46
